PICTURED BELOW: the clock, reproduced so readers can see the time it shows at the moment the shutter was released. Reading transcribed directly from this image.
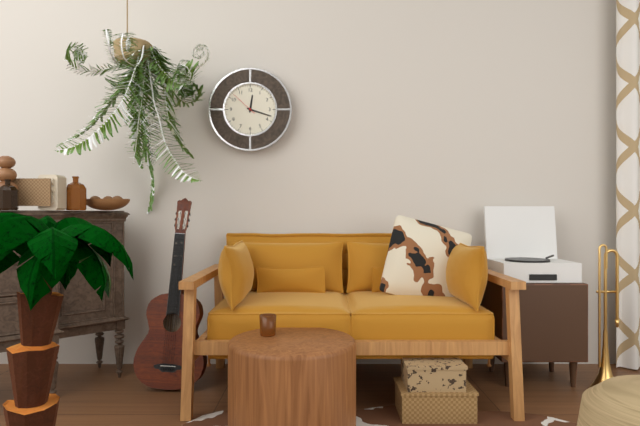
12:18
